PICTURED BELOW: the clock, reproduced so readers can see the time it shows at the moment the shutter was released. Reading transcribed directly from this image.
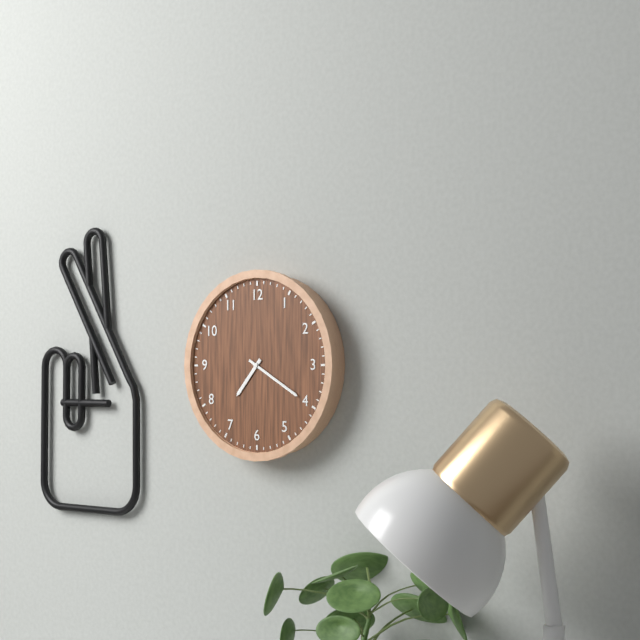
7:20
